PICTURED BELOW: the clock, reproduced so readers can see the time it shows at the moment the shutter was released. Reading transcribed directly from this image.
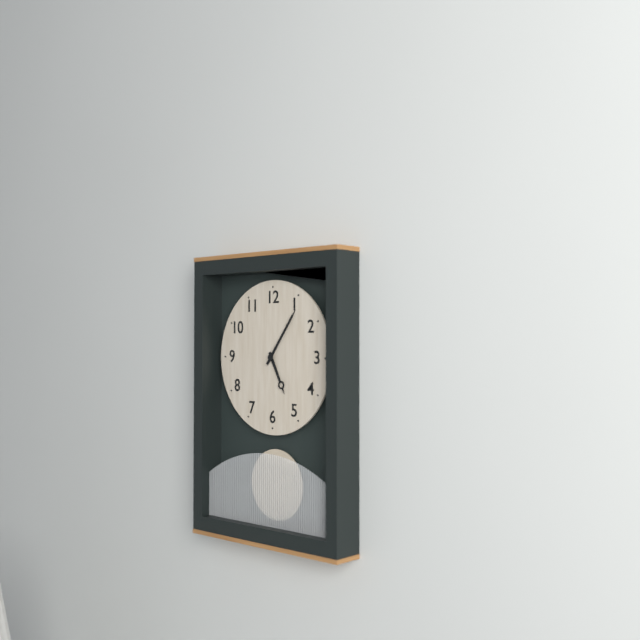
5:06
